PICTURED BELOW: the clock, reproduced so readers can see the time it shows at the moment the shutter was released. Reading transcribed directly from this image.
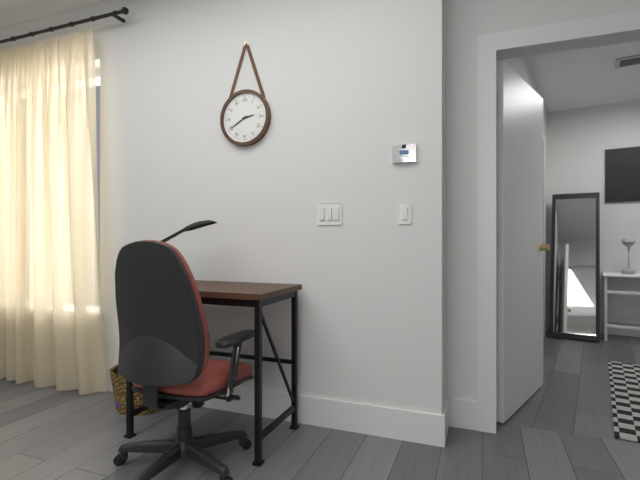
2:40
